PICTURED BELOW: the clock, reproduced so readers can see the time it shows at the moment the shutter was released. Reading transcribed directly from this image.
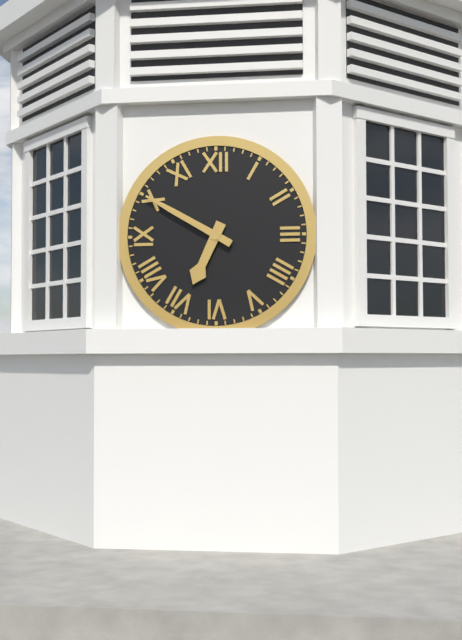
6:50
